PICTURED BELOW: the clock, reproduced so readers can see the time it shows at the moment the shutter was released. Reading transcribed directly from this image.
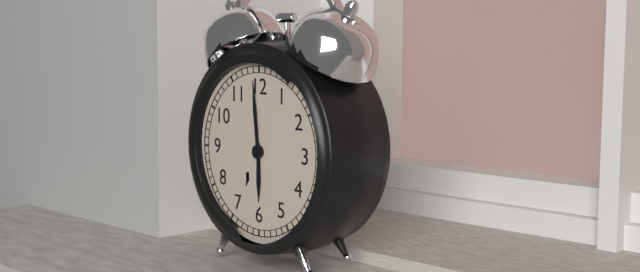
5:59
